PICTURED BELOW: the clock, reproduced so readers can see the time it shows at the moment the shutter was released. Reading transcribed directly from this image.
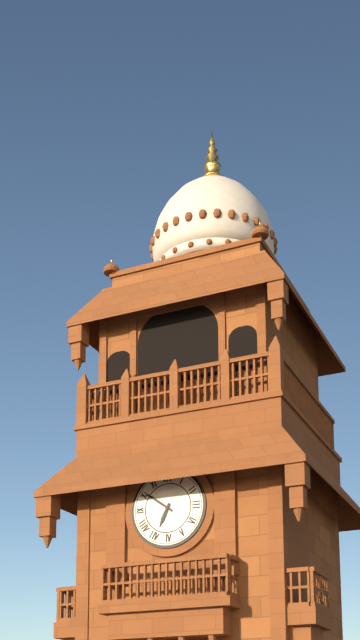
6:51
